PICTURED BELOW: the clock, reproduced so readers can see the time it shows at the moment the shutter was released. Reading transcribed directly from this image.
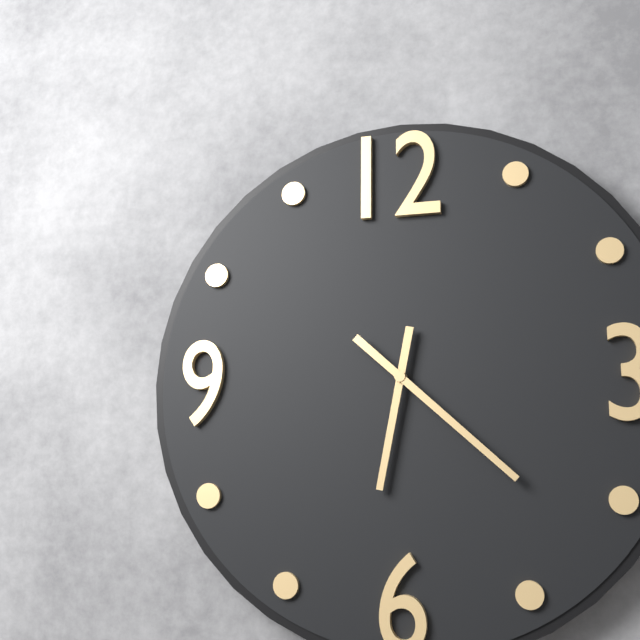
6:22
